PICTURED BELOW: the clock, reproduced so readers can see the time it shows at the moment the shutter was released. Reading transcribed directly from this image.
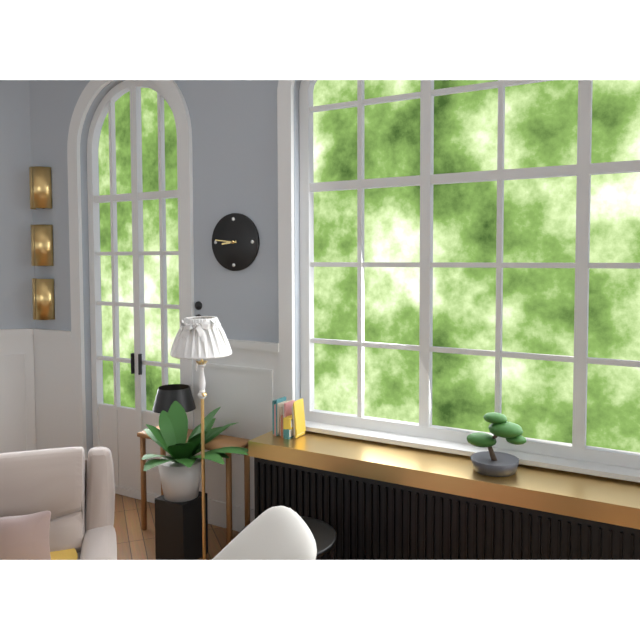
8:46
